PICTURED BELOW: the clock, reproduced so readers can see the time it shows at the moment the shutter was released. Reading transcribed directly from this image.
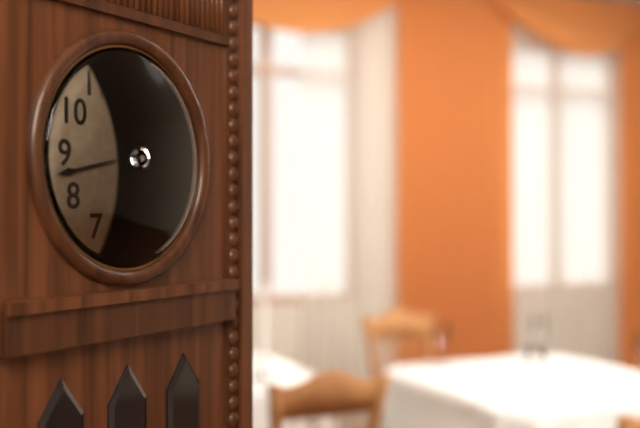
5:43
